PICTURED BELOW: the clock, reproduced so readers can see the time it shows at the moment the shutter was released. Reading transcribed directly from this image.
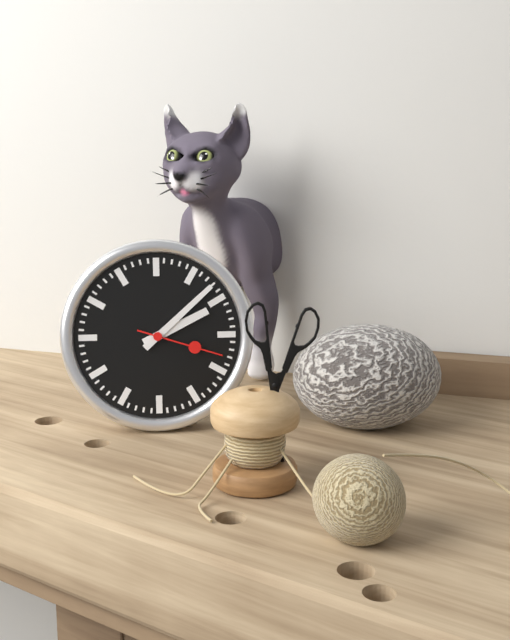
2:08:18
